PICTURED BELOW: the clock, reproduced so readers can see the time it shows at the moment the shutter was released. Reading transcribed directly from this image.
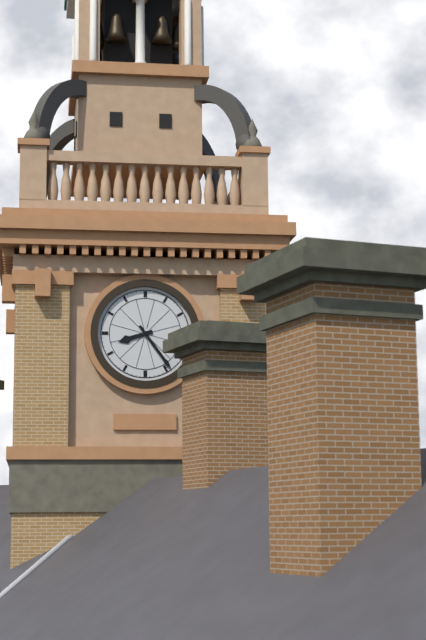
8:24
